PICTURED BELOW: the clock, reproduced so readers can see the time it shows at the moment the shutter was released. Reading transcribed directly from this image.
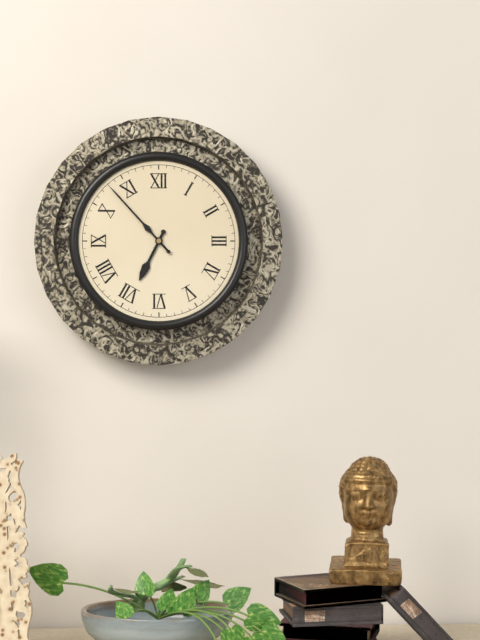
6:53
